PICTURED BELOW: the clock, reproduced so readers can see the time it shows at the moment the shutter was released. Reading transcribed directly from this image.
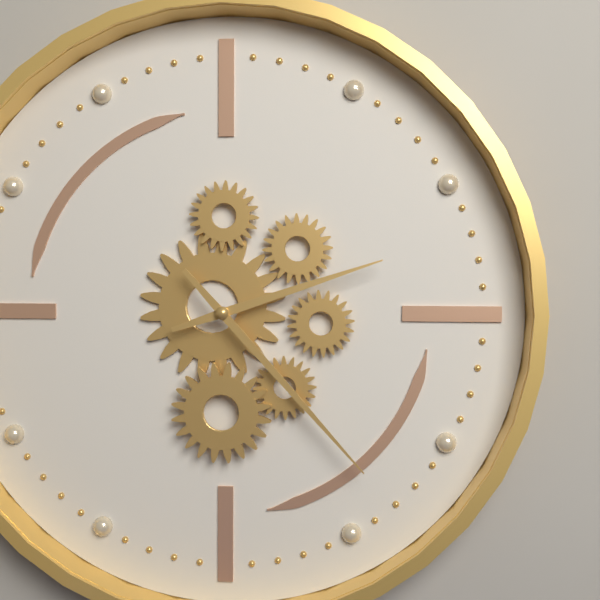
2:23
